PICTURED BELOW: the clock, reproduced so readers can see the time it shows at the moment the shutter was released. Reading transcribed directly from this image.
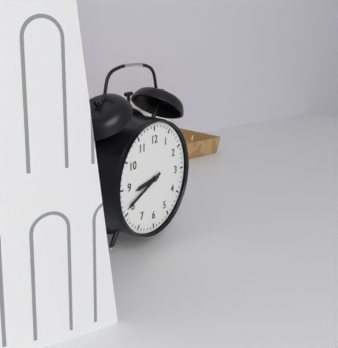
8:41
